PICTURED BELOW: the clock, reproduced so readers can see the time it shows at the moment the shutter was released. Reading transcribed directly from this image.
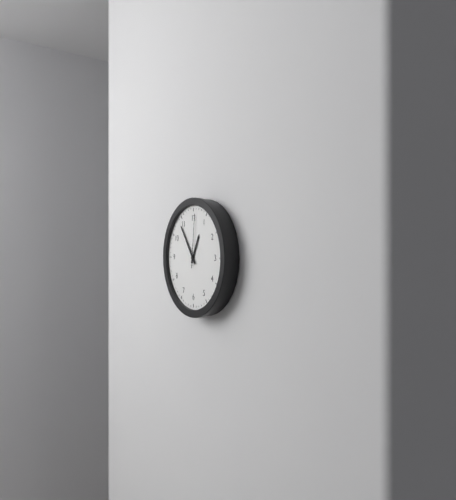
12:54:01
